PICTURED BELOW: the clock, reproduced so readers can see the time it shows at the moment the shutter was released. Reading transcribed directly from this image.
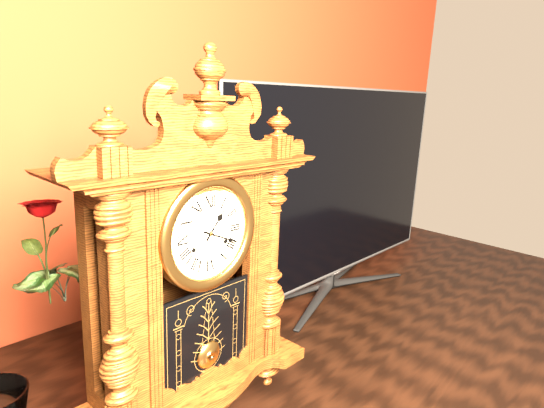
1:19
